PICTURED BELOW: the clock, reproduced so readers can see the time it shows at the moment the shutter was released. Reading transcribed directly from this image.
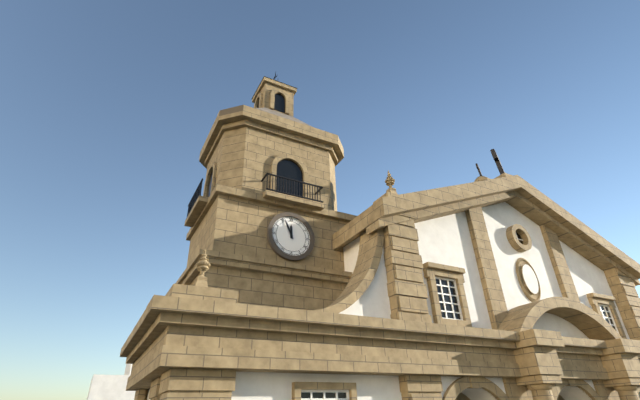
11:56
